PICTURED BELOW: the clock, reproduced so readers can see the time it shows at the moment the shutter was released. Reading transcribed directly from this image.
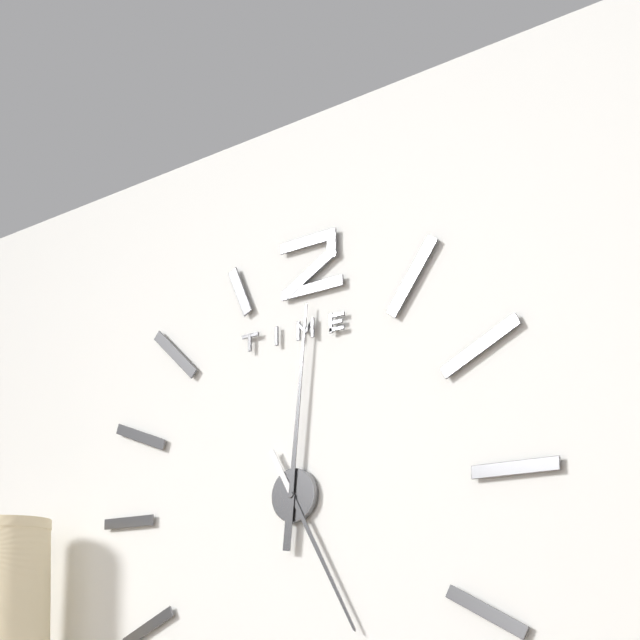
5:01
